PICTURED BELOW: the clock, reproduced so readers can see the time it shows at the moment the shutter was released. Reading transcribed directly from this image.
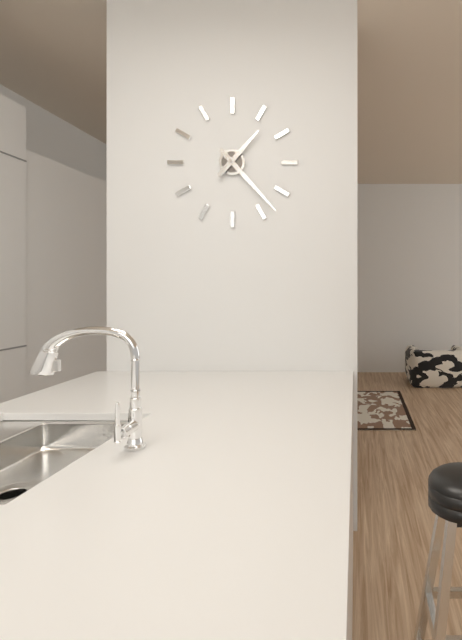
1:23
